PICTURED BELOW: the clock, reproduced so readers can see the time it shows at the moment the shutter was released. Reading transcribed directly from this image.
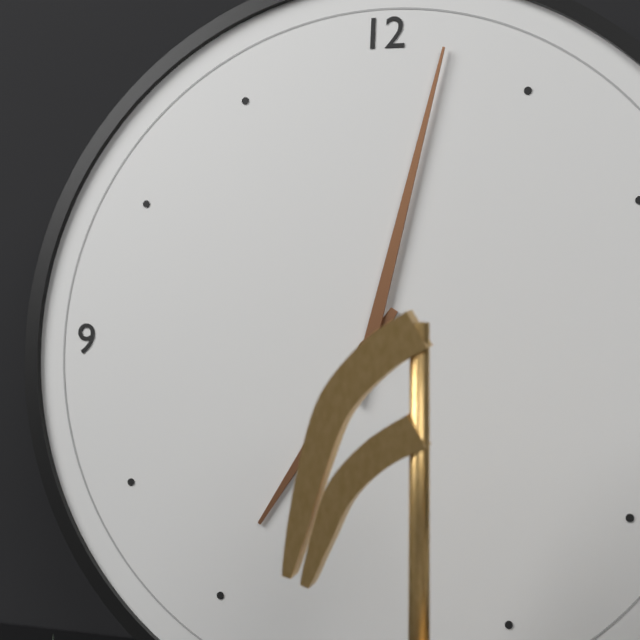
7:02
